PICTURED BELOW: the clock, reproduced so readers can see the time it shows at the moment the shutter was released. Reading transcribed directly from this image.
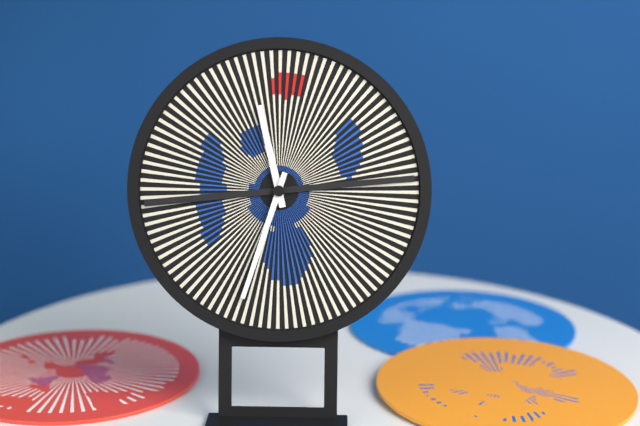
11:33
